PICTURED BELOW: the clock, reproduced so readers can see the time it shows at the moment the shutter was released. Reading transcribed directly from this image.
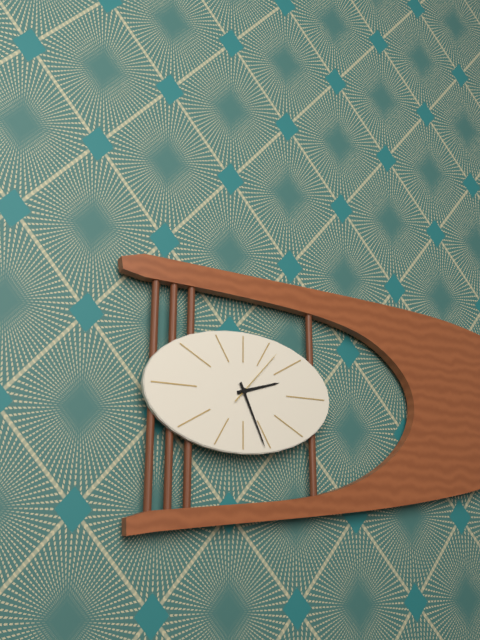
2:26:07
